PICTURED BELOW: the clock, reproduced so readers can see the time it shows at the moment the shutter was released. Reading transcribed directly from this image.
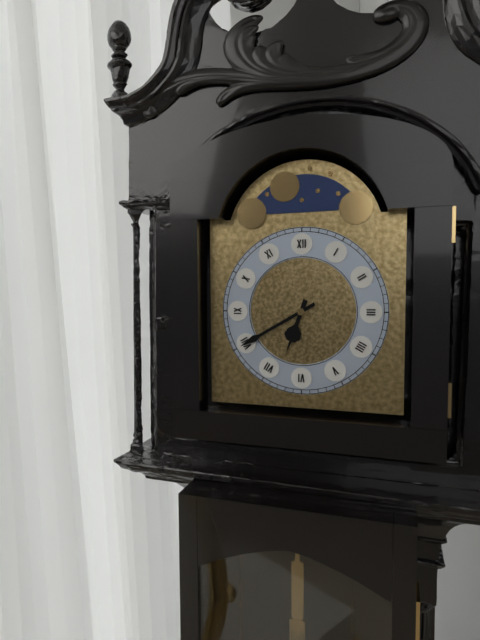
6:40
